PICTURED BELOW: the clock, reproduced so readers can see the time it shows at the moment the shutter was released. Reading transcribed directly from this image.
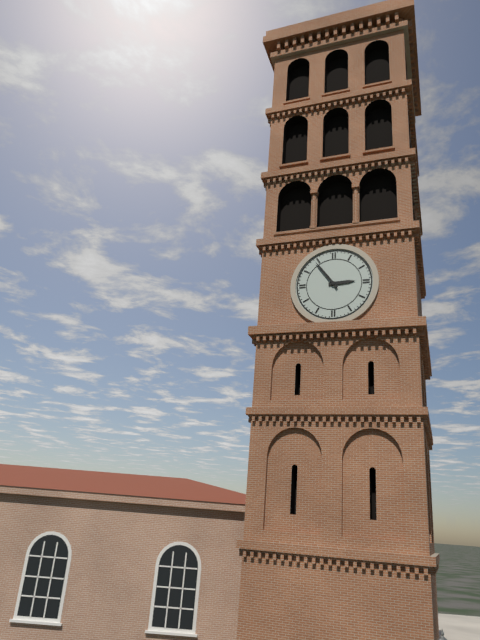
2:54
